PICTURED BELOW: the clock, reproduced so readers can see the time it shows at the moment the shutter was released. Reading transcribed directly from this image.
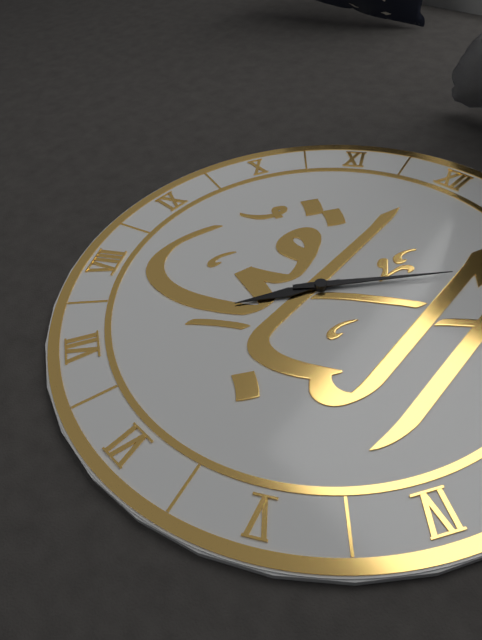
7:07
